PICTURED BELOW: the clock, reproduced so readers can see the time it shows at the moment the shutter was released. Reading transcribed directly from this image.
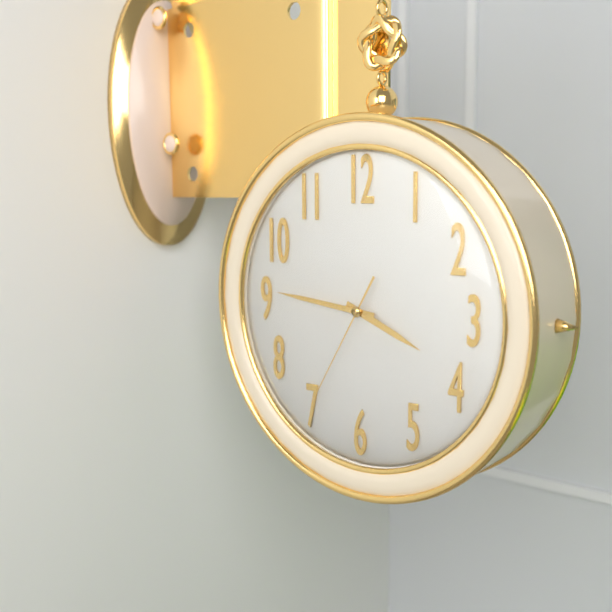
3:46:35
